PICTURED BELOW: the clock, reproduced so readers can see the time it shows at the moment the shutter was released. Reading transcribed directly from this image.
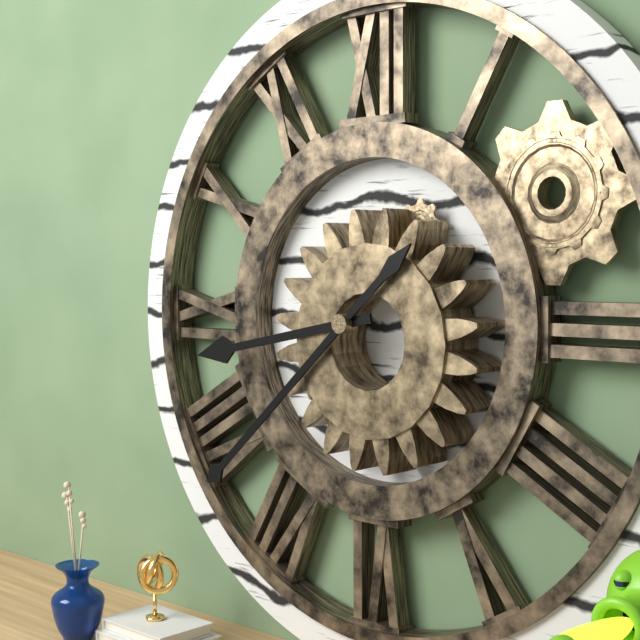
8:38
